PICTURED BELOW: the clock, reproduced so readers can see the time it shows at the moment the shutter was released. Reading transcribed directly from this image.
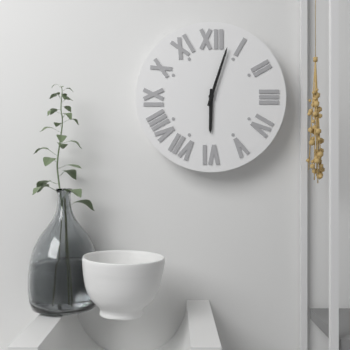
6:03
